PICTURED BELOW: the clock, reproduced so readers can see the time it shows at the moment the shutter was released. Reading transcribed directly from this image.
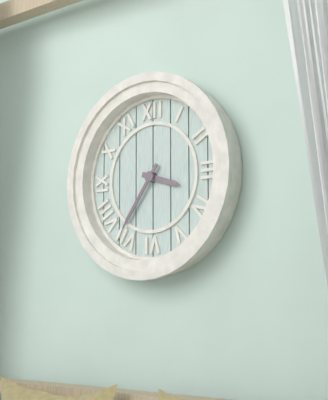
3:36
